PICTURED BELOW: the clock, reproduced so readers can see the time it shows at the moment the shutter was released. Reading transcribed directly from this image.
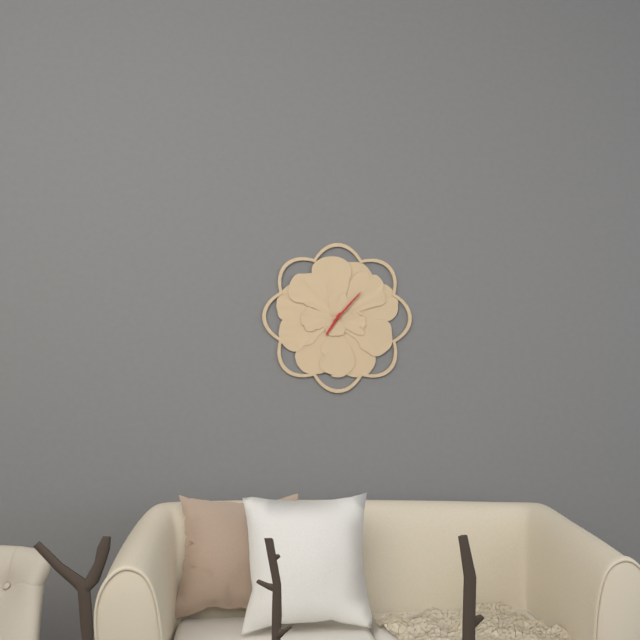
7:07
